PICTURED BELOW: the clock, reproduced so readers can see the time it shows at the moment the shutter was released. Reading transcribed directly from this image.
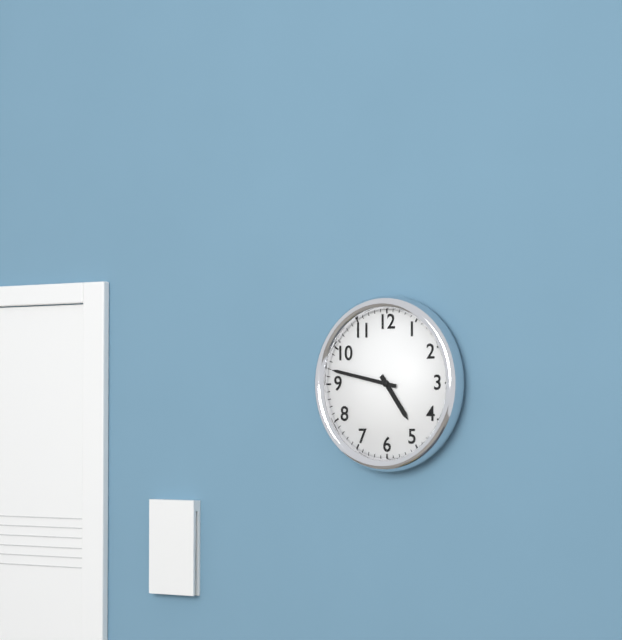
4:47
